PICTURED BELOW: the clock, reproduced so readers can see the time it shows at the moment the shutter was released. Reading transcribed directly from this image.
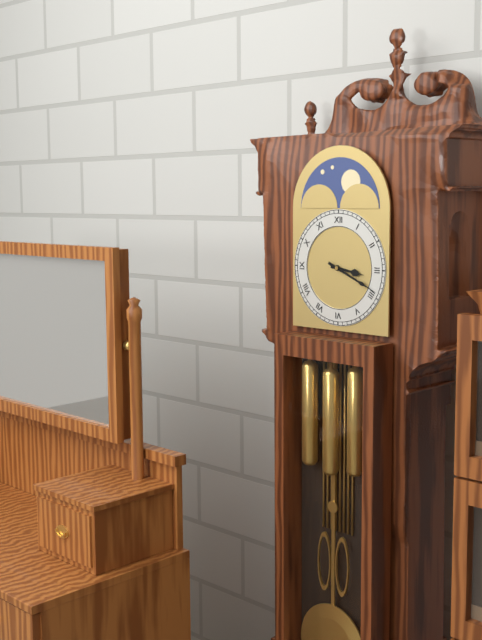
3:19
